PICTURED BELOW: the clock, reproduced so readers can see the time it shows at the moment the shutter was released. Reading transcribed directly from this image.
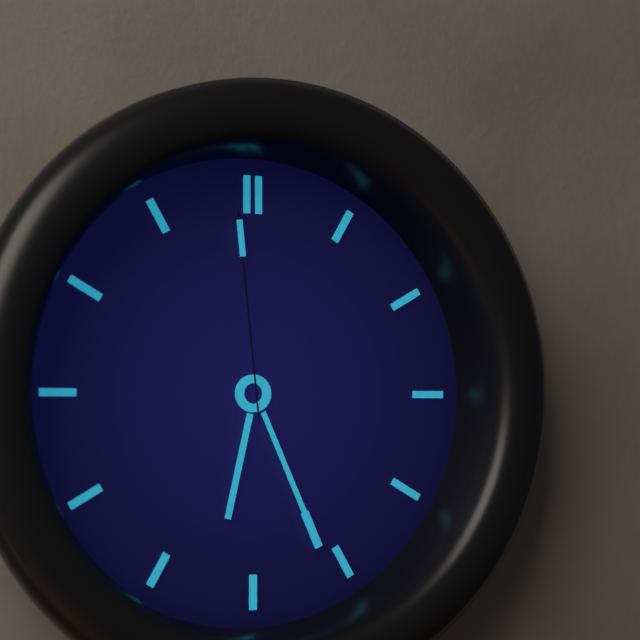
6:26:59
